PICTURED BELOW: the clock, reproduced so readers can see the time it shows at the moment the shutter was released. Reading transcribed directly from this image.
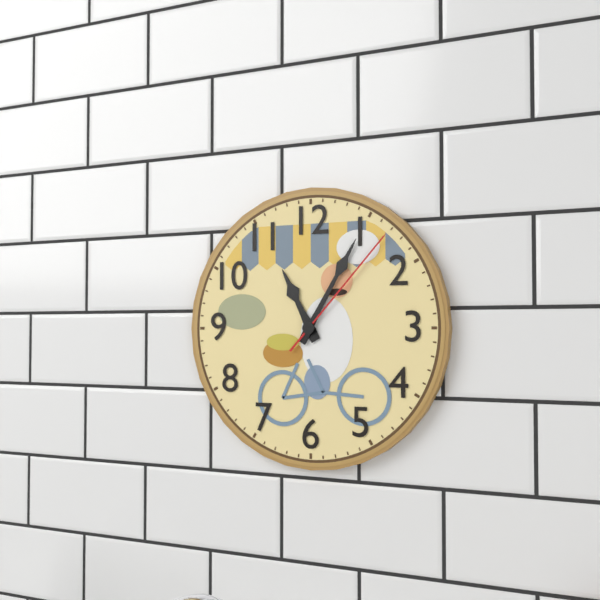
11:05:07
